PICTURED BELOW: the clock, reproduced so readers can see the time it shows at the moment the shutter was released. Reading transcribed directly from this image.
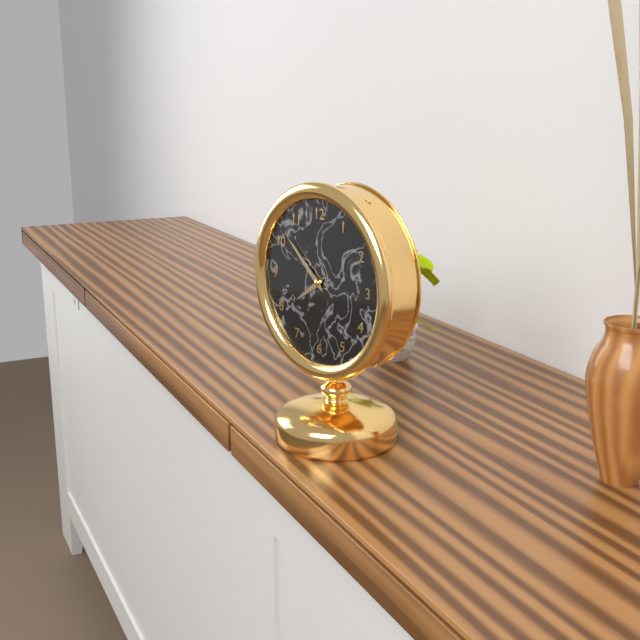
7:52
